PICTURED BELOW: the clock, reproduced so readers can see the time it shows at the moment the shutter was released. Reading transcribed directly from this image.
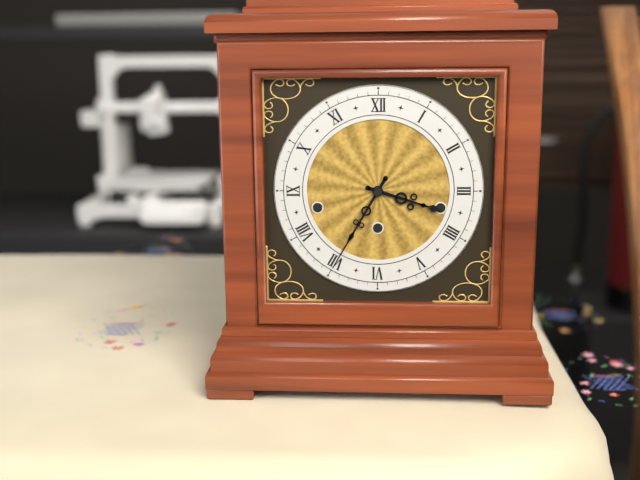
3:35
